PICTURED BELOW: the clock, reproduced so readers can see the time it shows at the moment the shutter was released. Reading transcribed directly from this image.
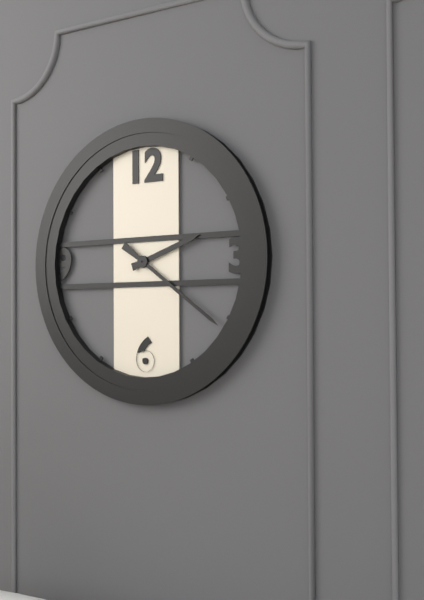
2:21
